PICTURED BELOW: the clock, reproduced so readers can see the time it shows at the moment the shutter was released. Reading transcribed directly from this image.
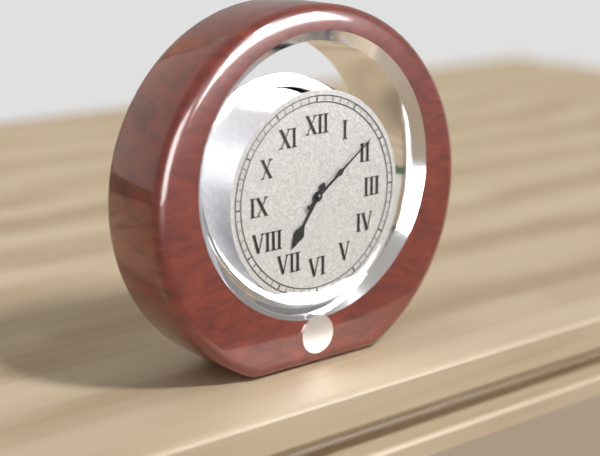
7:09
